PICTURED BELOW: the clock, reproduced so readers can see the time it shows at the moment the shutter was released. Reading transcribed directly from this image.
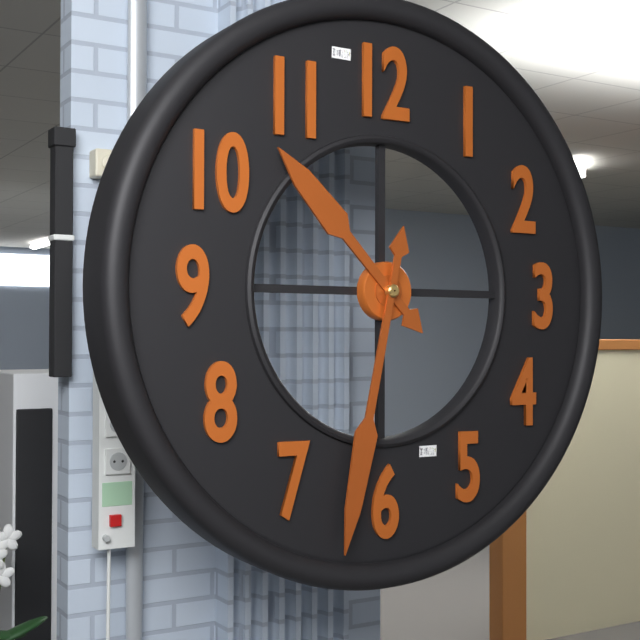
10:32
